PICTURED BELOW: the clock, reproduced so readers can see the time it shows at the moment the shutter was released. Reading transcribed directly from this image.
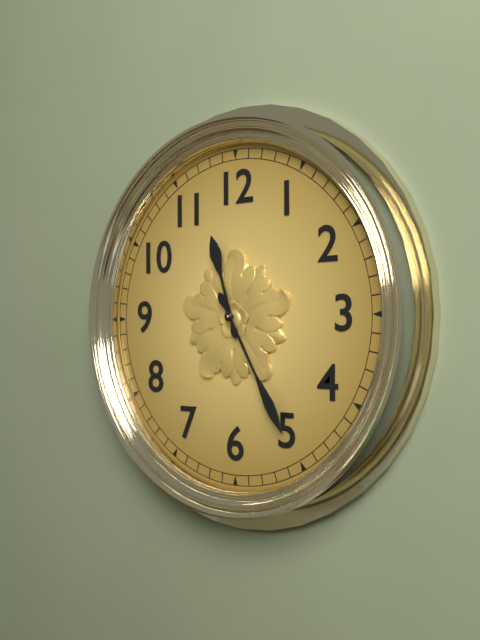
11:25
